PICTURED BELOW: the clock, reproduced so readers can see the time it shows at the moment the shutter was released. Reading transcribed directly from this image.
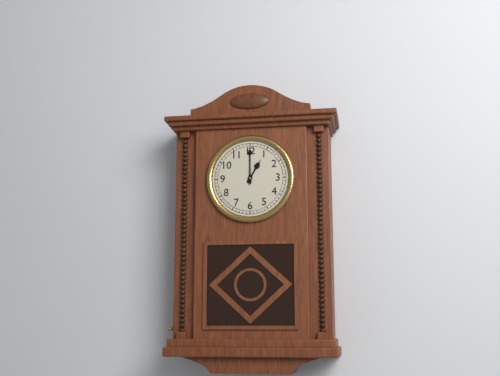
1:00
